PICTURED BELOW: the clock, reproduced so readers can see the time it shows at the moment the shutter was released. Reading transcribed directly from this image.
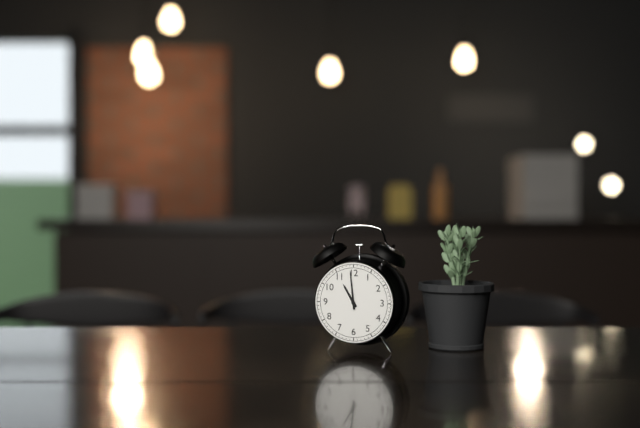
10:59
